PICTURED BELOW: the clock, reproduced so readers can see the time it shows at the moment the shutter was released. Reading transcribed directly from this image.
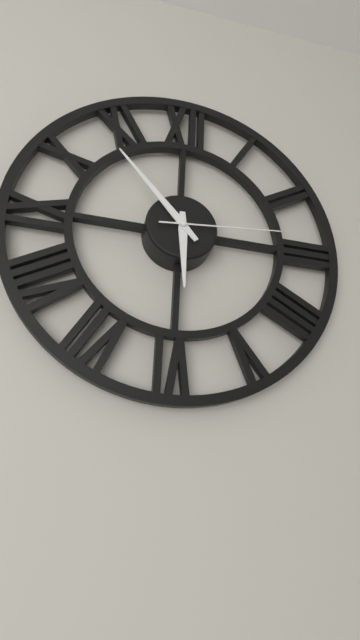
5:53:14
